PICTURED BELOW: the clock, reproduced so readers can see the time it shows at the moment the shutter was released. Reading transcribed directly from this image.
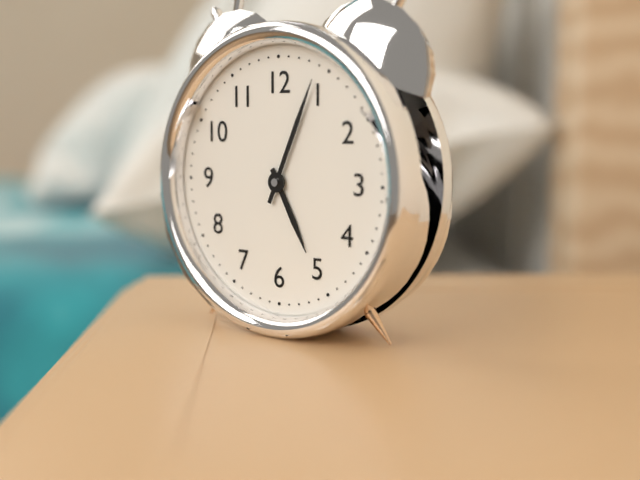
5:04
